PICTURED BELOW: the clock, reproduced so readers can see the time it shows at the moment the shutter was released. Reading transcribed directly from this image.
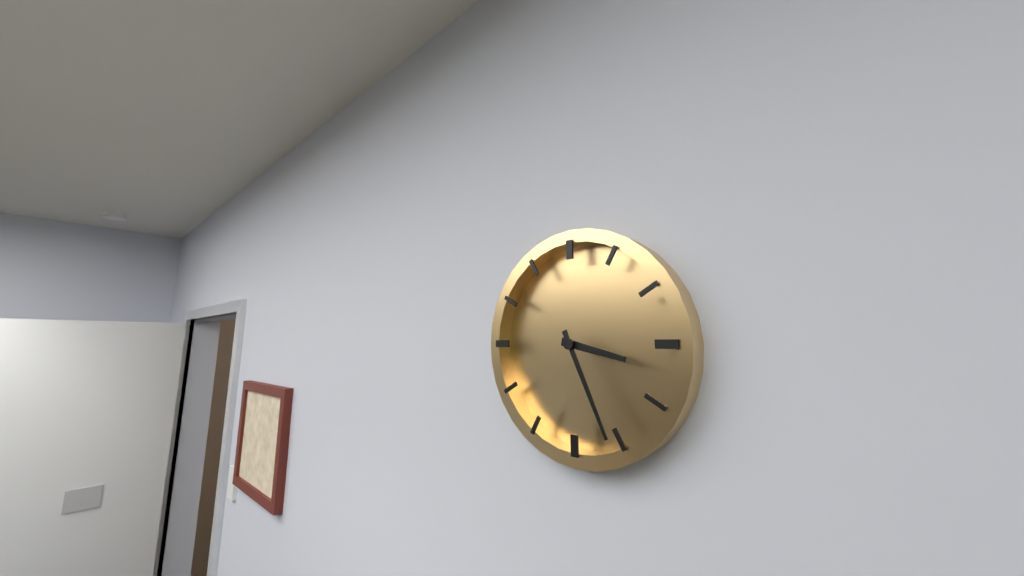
3:26
